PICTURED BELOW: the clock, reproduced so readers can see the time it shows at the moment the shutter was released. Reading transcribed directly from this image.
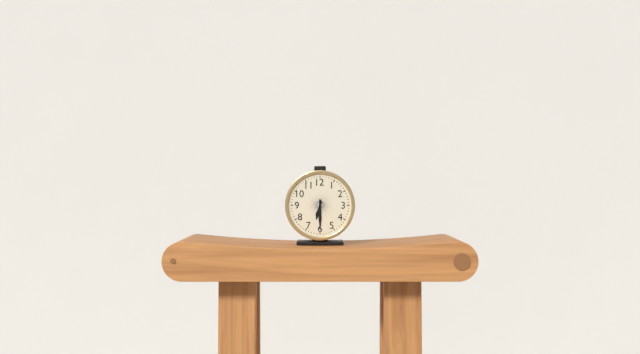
6:30
